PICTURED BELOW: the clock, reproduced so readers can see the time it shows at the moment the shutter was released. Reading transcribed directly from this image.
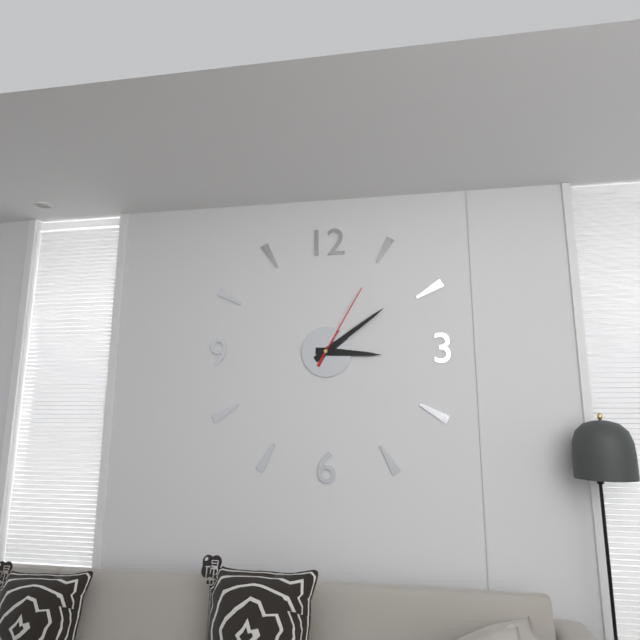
3:09:05
